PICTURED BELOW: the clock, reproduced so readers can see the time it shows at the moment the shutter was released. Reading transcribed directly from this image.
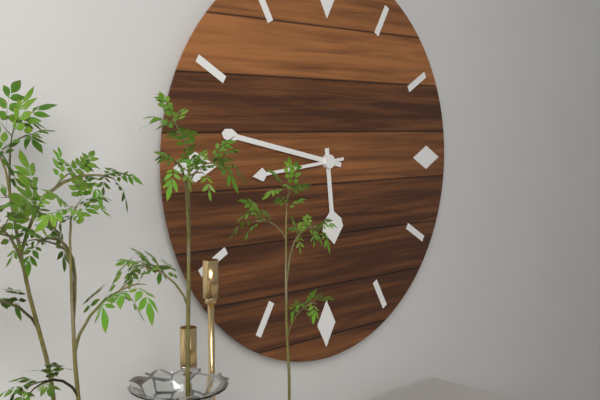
5:47:44
